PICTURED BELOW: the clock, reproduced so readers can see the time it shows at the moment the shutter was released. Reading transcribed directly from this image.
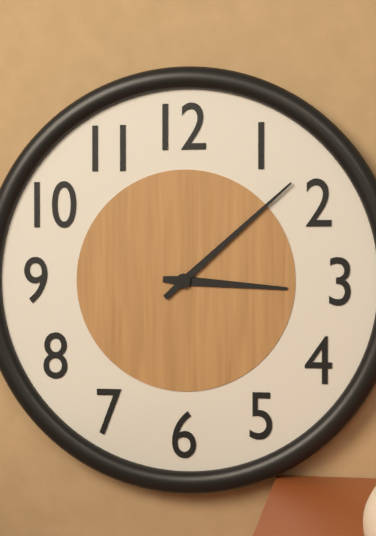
3:08
